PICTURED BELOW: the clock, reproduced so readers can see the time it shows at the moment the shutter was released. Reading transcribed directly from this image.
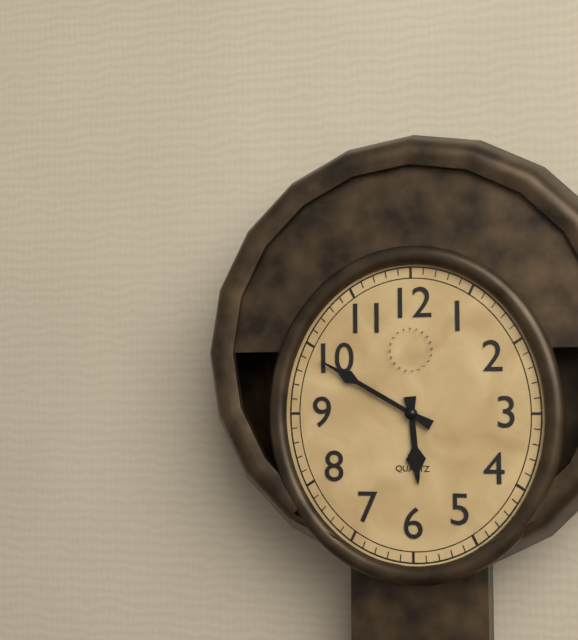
5:50
